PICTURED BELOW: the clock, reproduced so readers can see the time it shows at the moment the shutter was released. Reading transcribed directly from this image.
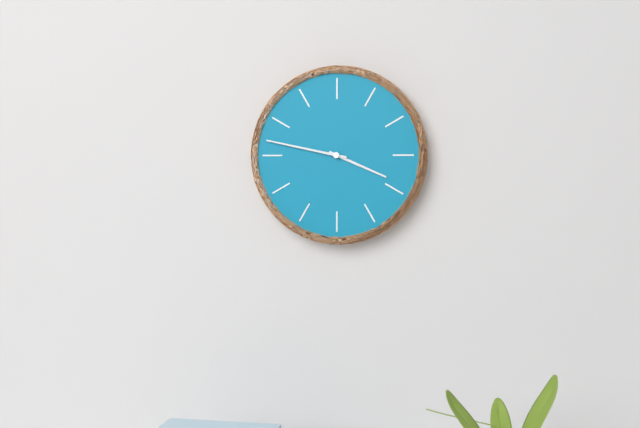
3:47
